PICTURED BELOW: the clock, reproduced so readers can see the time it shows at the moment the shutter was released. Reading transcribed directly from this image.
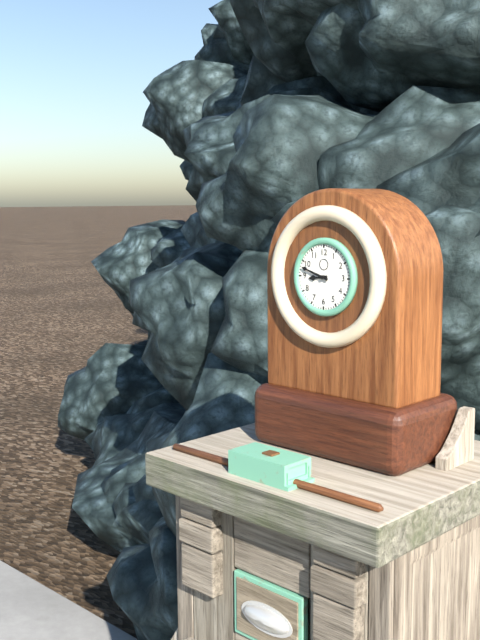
8:48
